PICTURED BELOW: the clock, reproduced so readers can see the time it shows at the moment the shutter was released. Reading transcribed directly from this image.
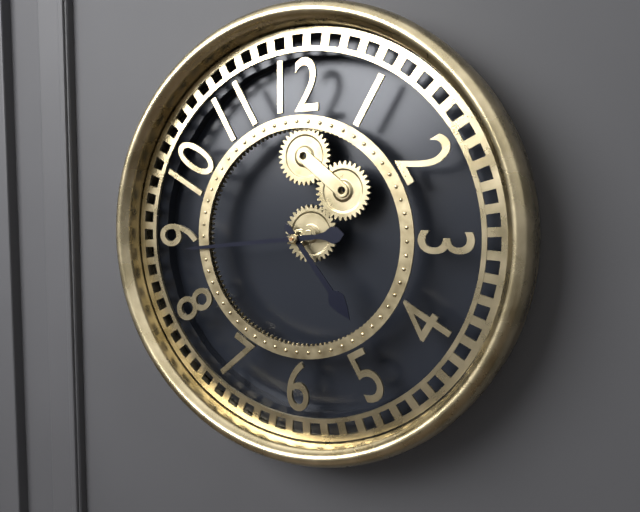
4:44
